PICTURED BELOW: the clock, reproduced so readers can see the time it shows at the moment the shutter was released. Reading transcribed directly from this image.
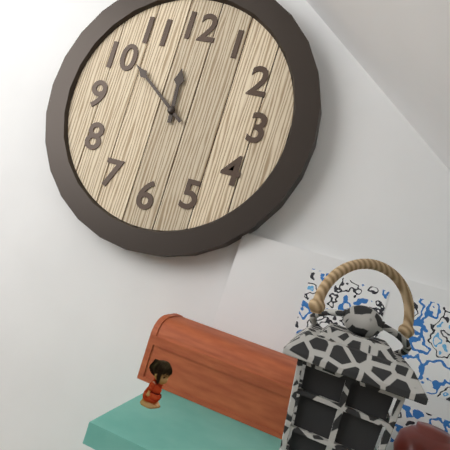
11:51
